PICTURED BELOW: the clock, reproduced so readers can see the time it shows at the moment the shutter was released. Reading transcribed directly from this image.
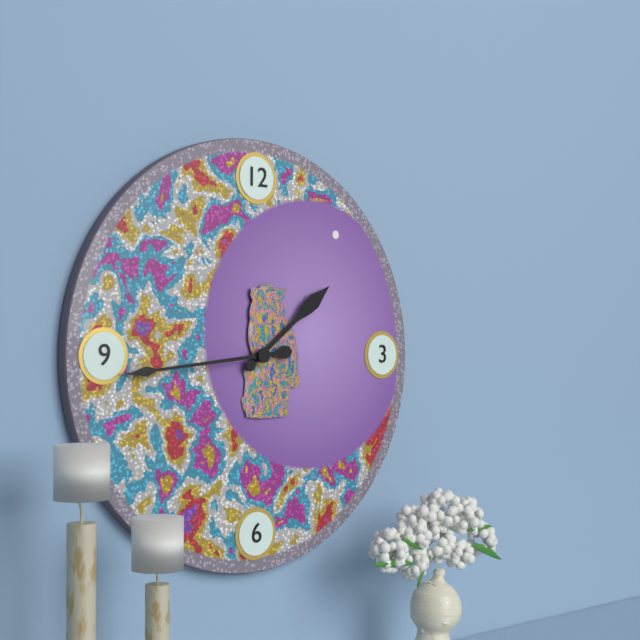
1:44
